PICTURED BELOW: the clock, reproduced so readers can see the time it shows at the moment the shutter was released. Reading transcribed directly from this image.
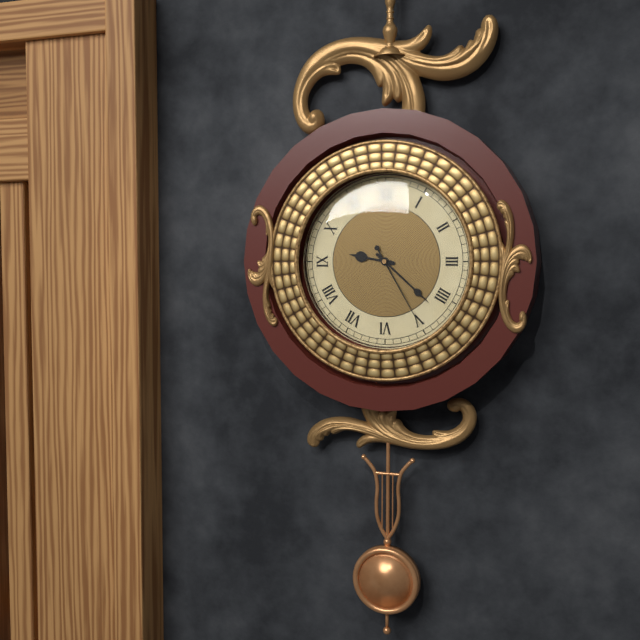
9:22:25
